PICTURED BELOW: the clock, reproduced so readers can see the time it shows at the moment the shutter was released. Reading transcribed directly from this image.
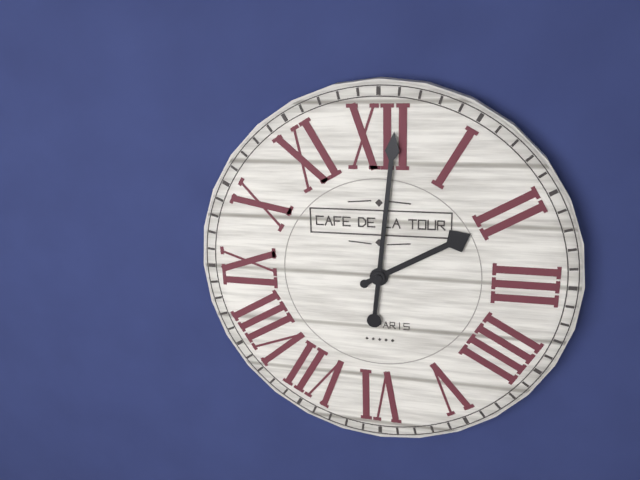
2:01
